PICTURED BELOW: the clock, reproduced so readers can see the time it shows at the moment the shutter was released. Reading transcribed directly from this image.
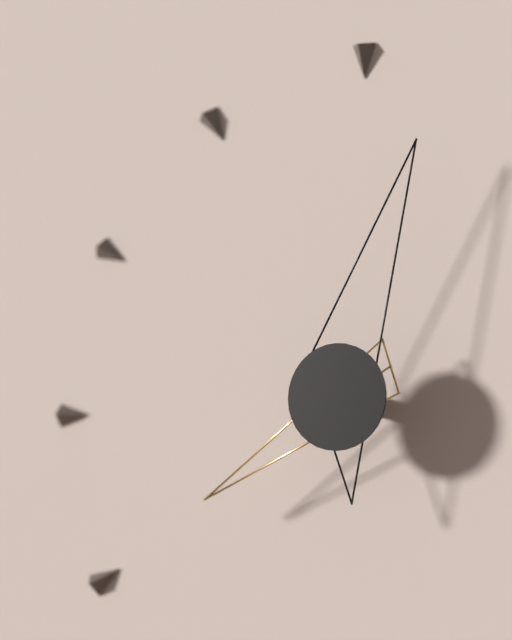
8:03
